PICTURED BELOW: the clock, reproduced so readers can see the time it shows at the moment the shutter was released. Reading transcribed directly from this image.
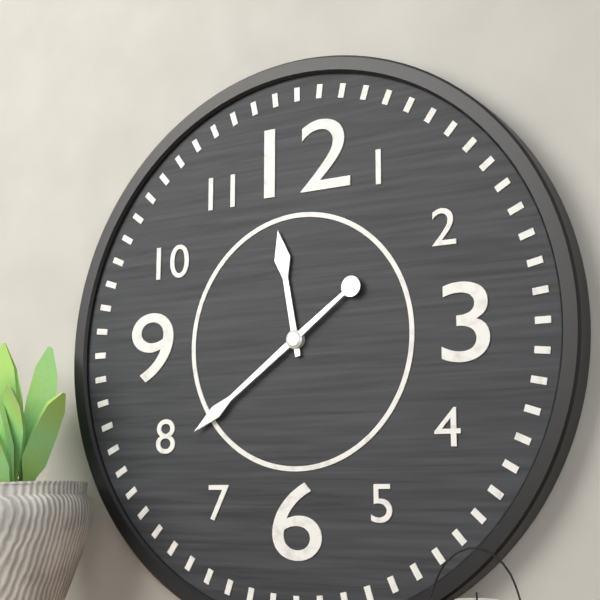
11:39
